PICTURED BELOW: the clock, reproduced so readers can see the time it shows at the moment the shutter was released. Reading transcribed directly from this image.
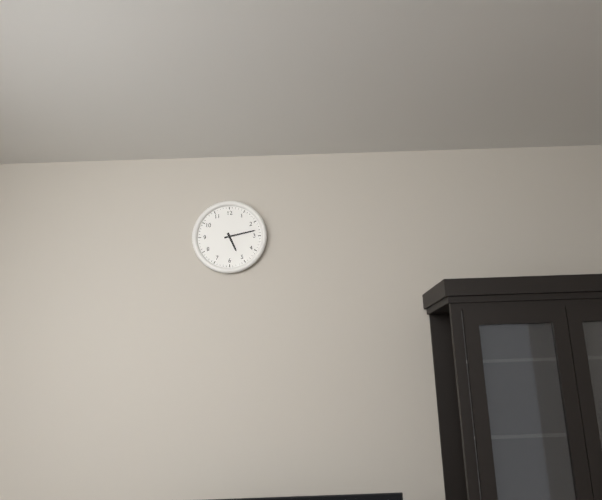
5:13
